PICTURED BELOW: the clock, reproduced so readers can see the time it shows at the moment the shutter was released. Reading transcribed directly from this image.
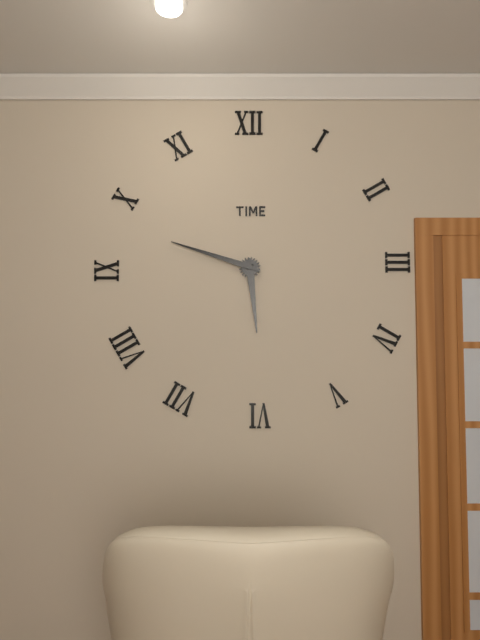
5:48
